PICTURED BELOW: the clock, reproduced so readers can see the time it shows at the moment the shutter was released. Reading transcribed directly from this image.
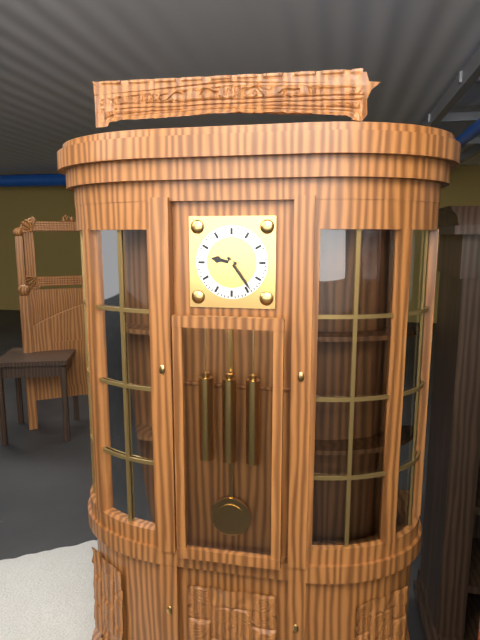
9:24
